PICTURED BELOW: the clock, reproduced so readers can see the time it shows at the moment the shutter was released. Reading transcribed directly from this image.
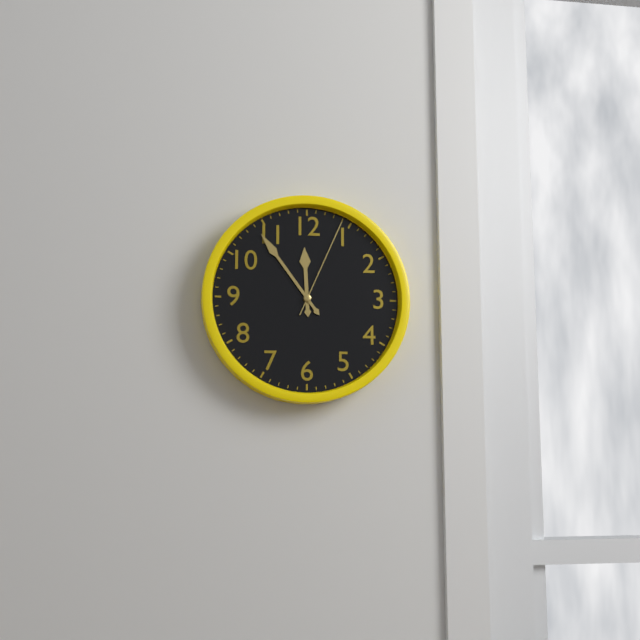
11:54:04
